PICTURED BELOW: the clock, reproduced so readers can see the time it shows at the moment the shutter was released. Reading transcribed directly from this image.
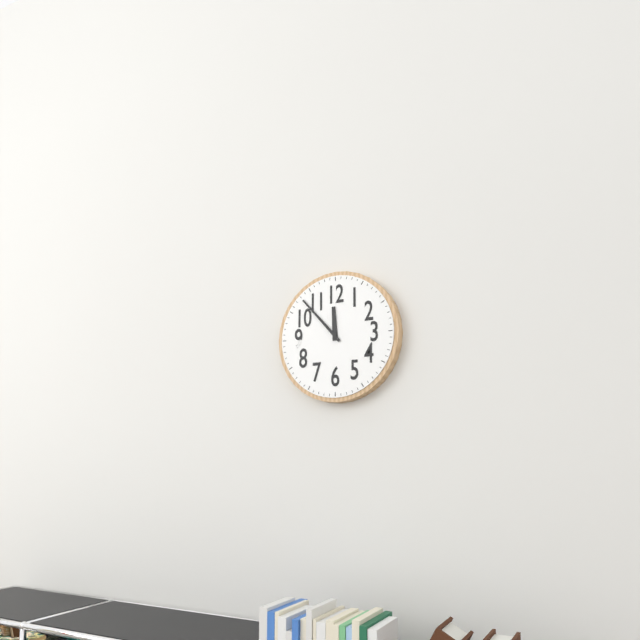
11:53
